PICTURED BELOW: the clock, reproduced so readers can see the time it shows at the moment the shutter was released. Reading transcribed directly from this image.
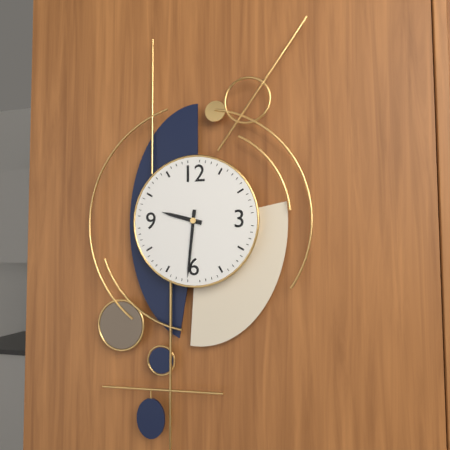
9:31
